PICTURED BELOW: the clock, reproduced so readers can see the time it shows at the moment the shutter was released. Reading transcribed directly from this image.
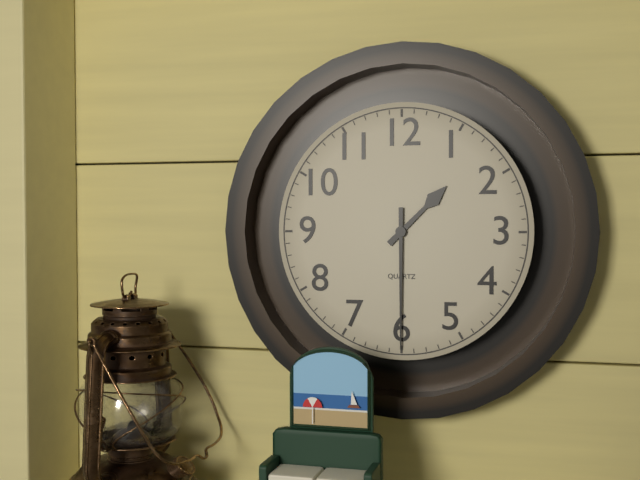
1:30
